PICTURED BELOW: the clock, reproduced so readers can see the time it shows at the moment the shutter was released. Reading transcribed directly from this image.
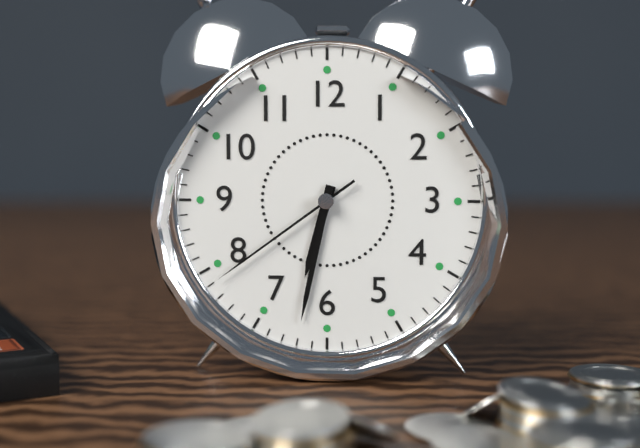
6:32:39
